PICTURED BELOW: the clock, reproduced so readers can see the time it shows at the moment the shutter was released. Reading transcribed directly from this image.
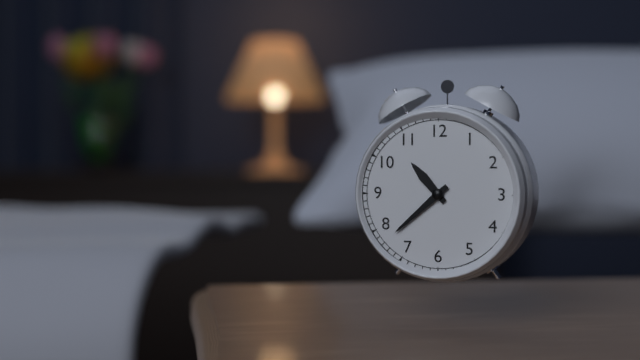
10:38
